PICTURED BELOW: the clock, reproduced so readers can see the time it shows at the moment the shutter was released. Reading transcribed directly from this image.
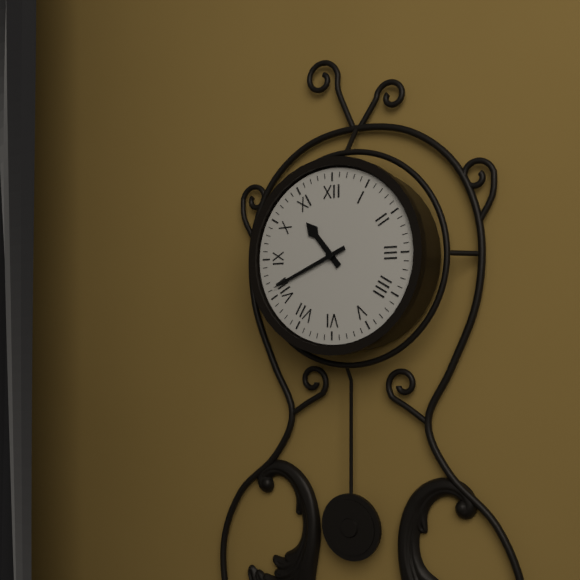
10:41
